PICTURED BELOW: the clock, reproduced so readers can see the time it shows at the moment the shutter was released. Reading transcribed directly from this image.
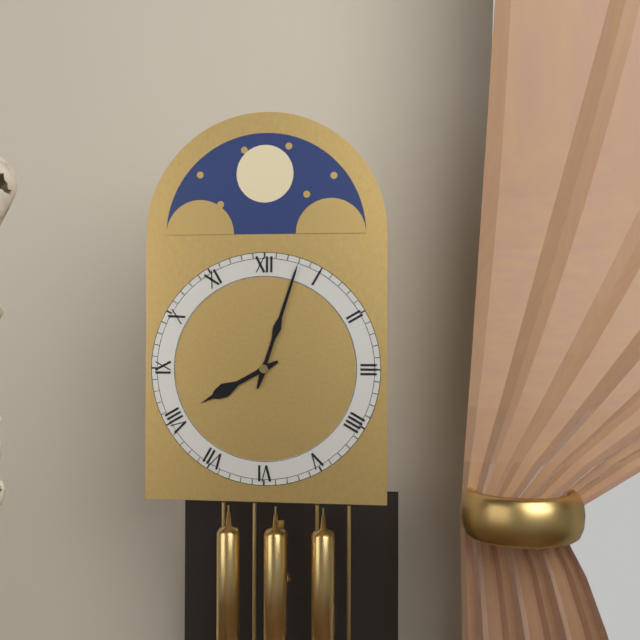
8:03
